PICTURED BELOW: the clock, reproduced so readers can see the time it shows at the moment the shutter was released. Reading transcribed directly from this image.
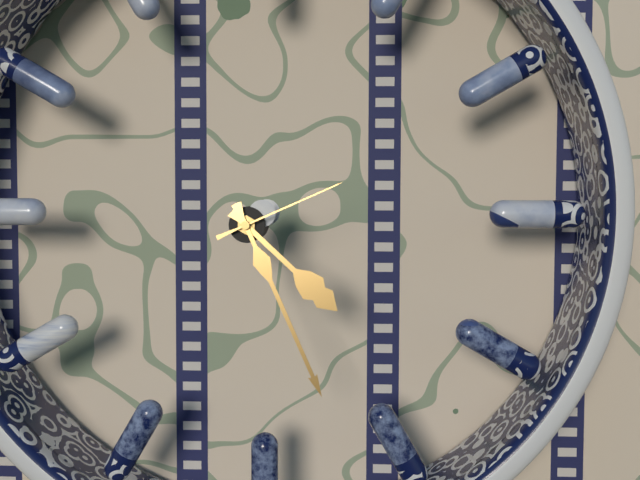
4:26:11
